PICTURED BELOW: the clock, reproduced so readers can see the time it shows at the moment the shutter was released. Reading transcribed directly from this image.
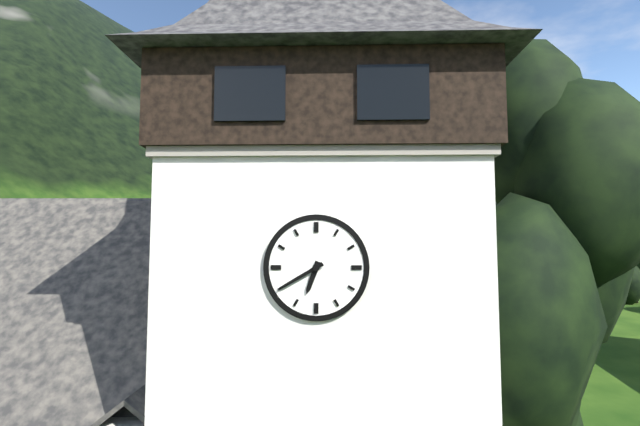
6:40
